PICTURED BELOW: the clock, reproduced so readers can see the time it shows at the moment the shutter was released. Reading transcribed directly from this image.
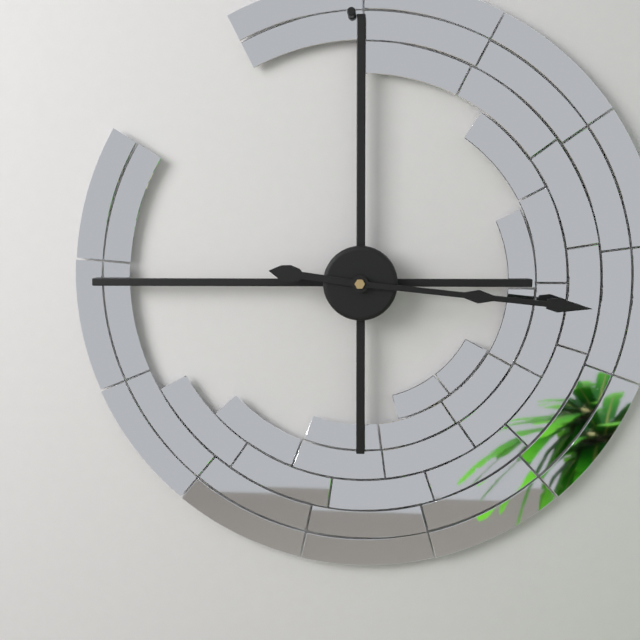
9:16
